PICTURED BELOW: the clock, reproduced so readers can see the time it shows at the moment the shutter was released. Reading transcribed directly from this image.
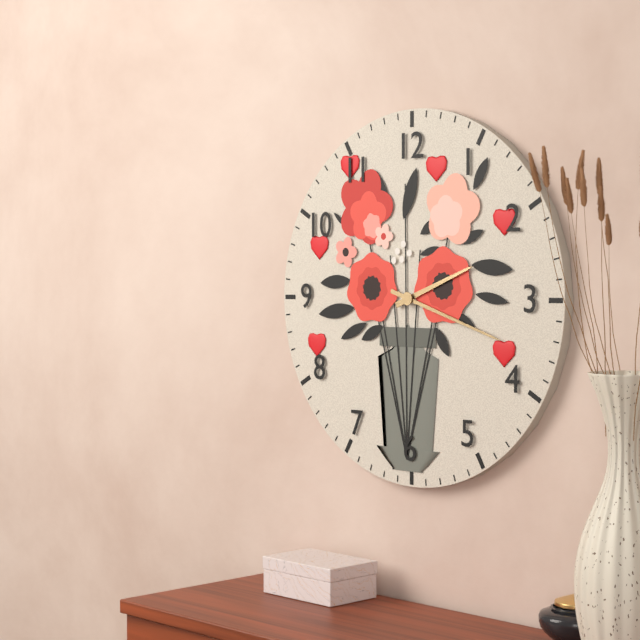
2:18
